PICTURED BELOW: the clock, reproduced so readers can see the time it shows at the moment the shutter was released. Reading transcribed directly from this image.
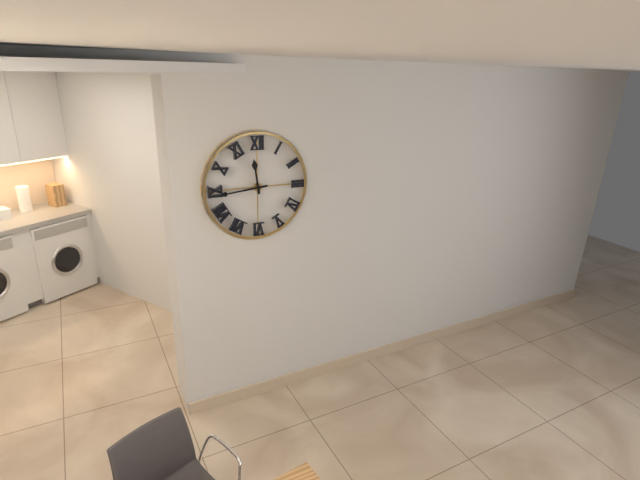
11:44
